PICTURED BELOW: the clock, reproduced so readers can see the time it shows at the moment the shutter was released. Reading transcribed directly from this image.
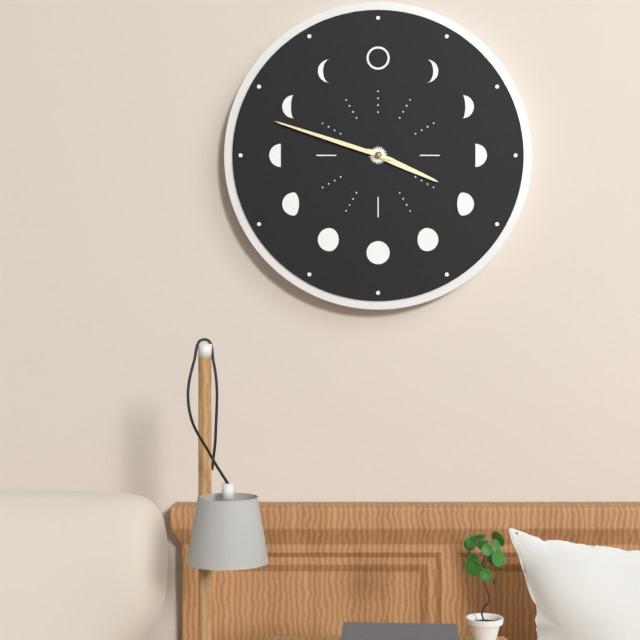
3:48
